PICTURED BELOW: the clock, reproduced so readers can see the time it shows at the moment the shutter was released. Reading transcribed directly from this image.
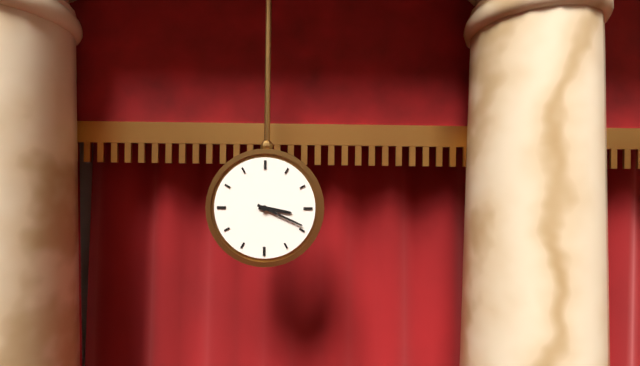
3:19
